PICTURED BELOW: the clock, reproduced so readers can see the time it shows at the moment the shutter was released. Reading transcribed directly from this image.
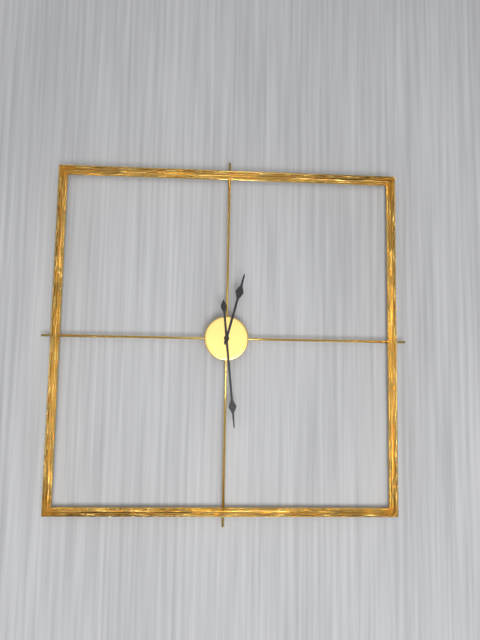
12:29
